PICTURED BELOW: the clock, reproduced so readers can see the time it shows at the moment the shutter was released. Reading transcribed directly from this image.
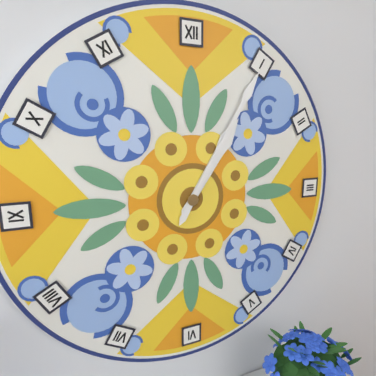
1:05
